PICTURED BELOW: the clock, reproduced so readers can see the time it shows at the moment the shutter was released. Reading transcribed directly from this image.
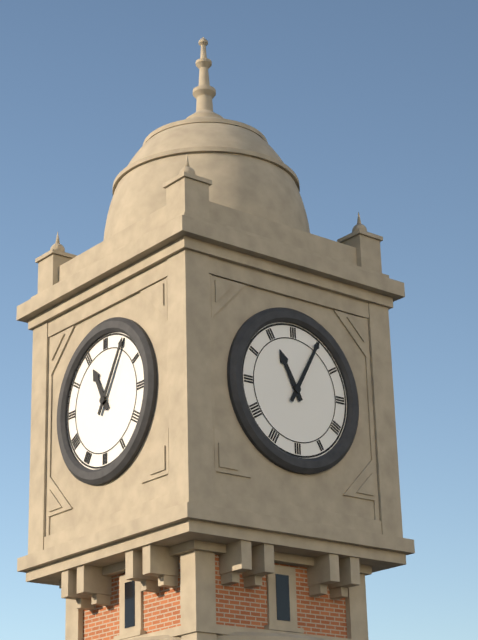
11:05
